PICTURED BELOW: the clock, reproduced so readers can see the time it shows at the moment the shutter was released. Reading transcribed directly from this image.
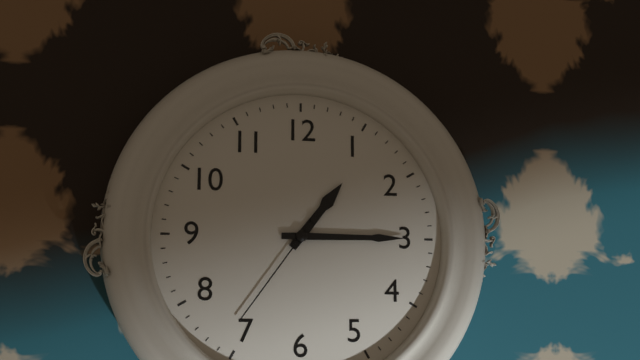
1:15:36
